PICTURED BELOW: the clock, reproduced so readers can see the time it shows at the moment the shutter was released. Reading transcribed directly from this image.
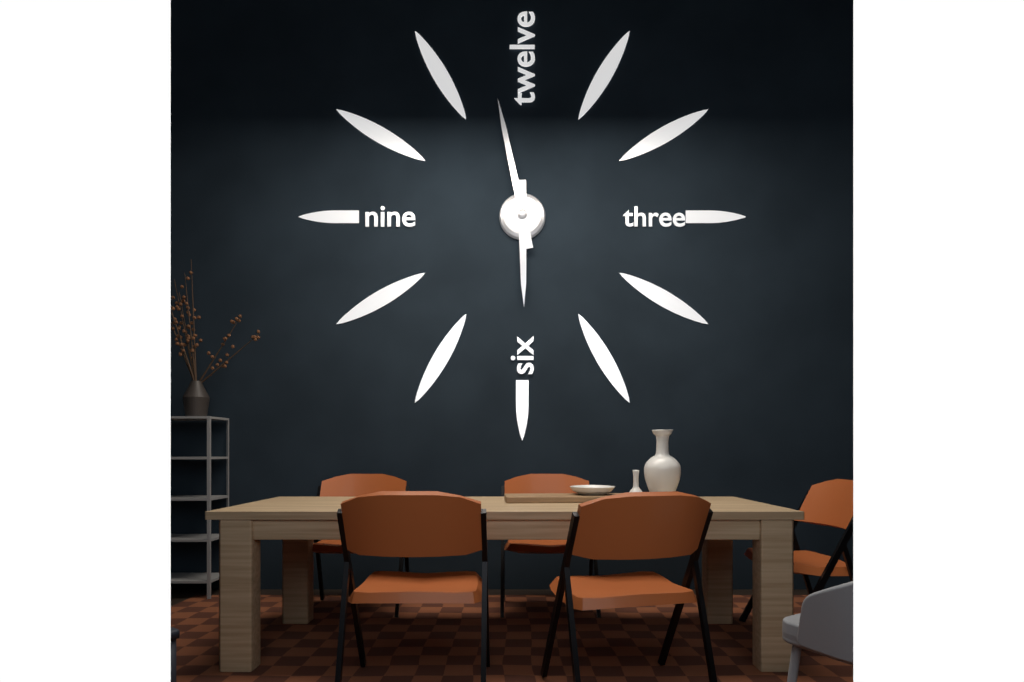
5:58
